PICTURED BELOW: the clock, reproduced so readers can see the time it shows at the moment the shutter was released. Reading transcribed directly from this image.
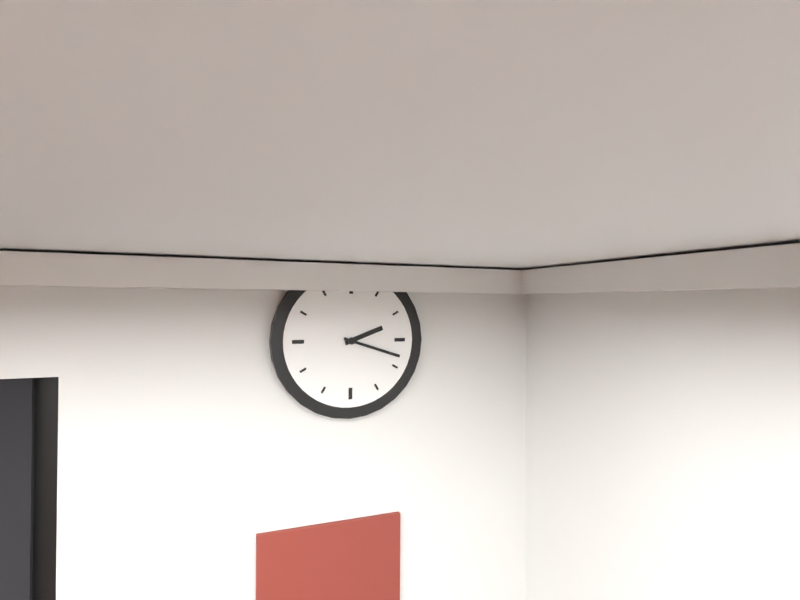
2:18
